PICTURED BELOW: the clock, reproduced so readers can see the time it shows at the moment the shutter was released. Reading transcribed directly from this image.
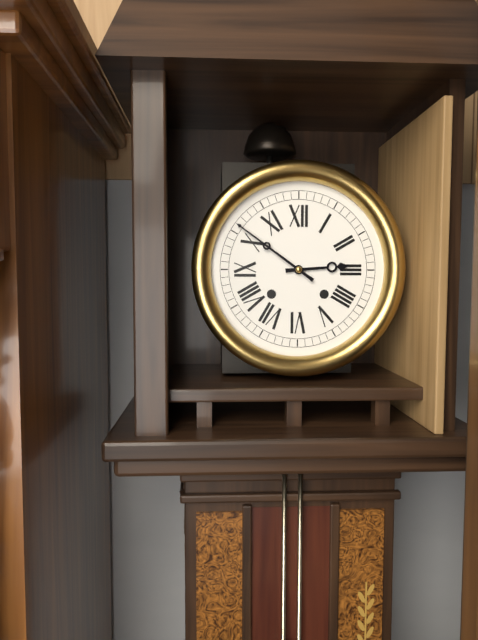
2:51
